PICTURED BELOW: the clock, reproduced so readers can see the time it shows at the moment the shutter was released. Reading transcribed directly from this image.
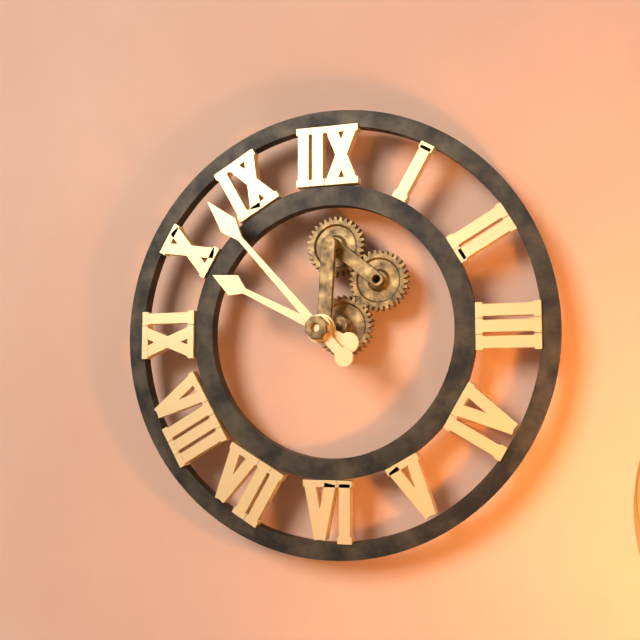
9:53
